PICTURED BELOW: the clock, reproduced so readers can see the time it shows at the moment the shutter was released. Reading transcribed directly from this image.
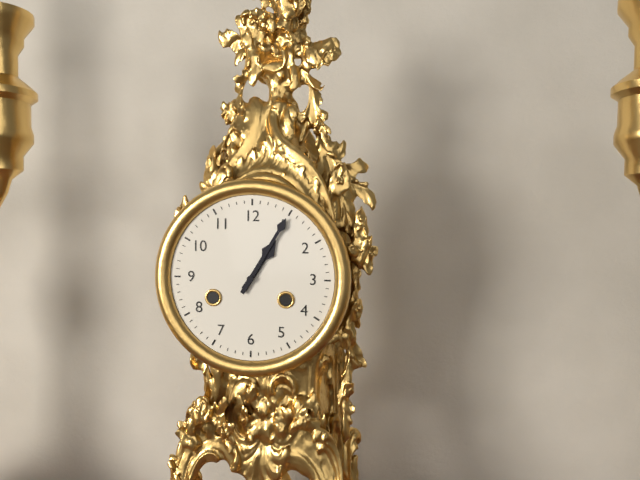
1:05
